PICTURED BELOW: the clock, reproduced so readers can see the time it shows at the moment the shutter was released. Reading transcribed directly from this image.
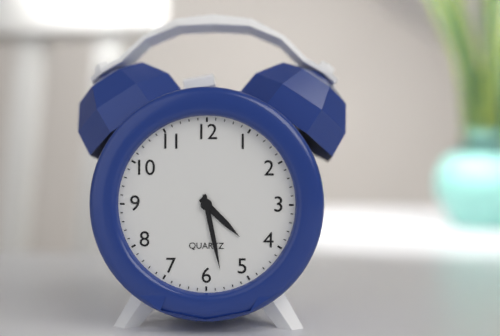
4:28
